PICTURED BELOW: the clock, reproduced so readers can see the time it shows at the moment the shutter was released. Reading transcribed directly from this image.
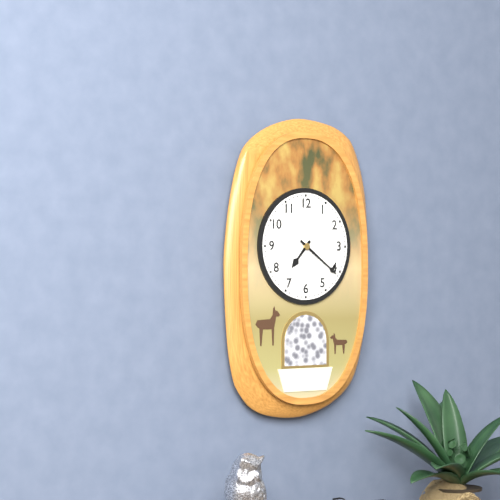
7:21
